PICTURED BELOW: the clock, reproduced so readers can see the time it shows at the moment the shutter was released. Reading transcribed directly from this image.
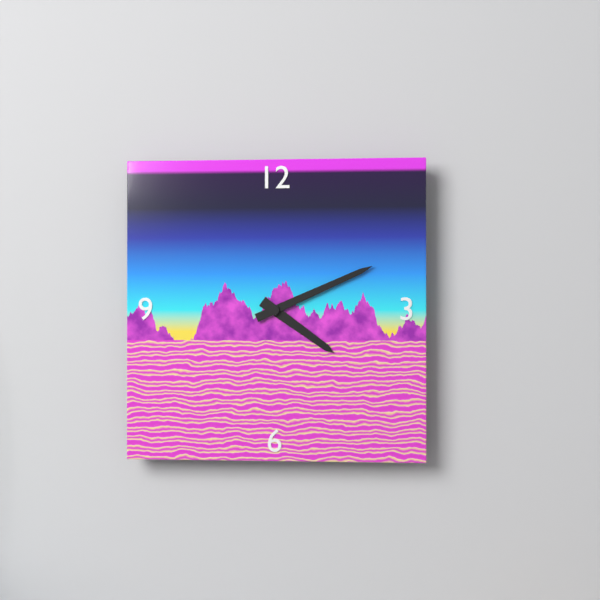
4:11
